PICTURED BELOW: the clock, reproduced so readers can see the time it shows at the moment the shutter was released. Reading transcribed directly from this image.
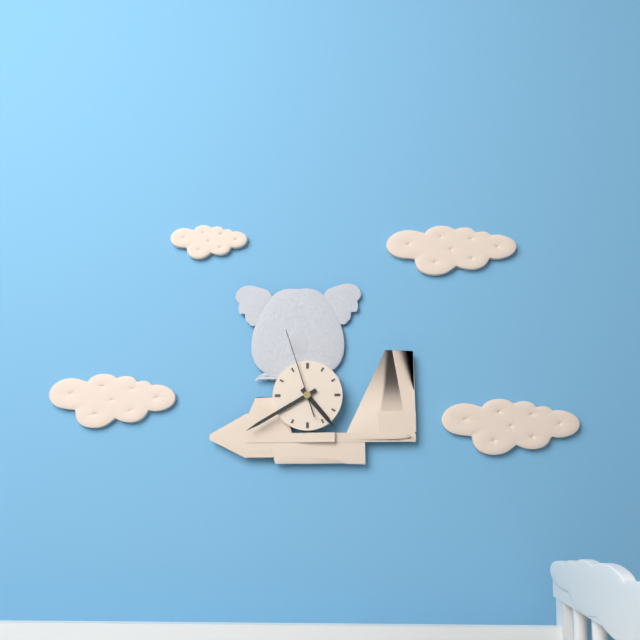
4:40:57
